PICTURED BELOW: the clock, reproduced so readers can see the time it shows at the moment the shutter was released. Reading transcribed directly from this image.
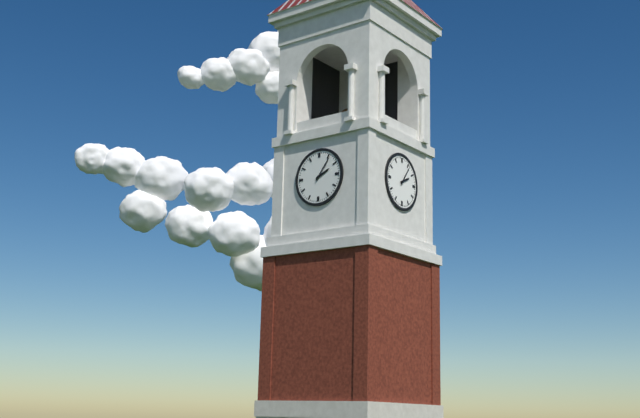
2:06
